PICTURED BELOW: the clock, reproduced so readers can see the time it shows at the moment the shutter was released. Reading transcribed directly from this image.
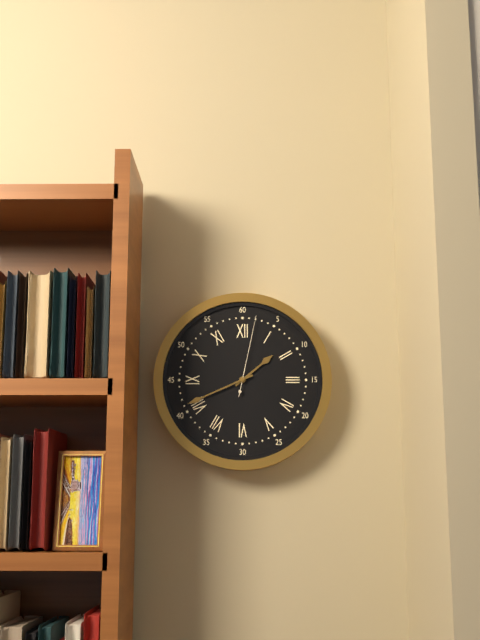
1:41:02
